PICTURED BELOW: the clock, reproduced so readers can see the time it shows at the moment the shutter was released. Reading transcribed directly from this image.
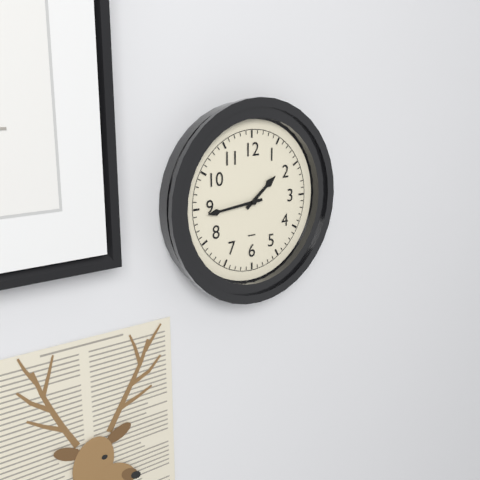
1:44
